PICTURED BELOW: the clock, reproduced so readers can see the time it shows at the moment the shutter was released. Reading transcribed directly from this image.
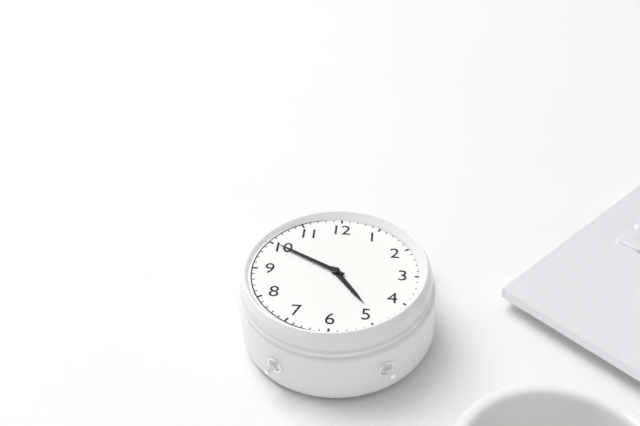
4:50
